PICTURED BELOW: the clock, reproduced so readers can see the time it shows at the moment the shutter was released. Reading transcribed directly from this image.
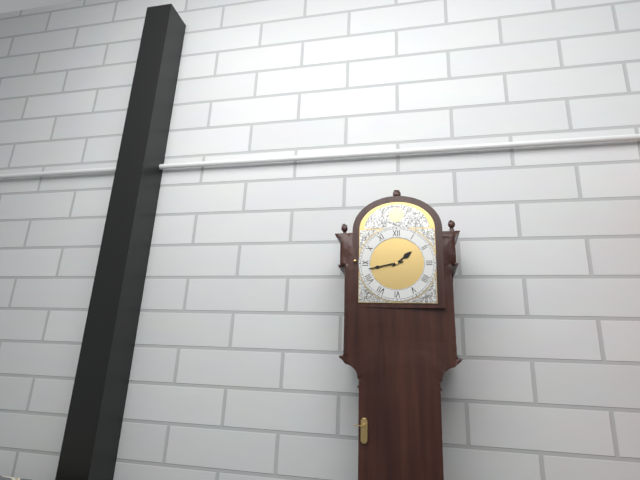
1:43
